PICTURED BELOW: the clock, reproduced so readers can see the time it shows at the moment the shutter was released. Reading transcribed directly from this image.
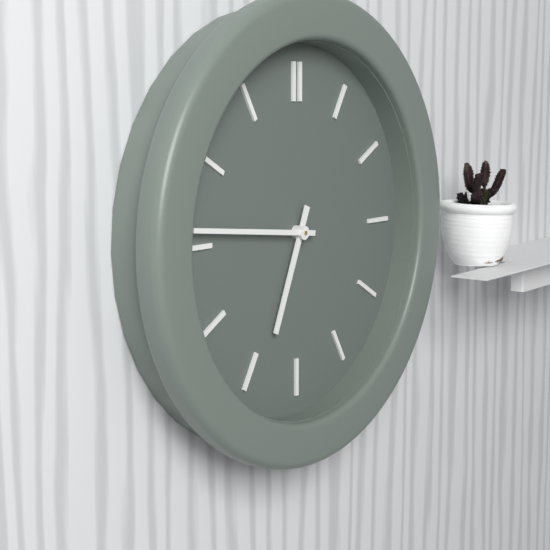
6:46
